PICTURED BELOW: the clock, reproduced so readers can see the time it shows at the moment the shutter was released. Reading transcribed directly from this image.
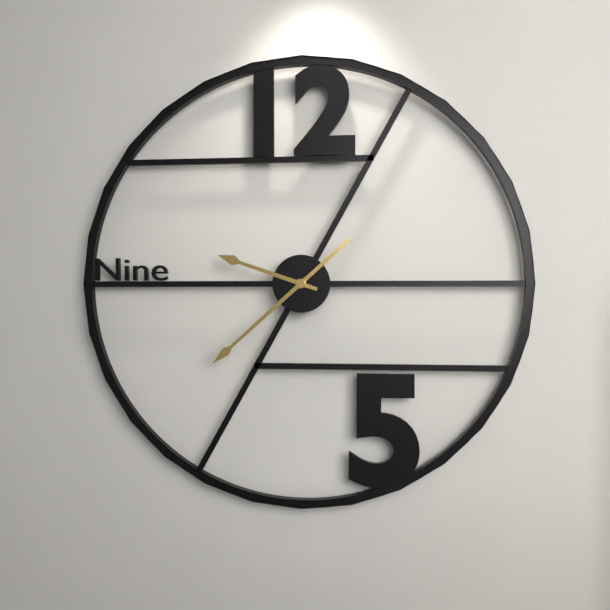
9:38
